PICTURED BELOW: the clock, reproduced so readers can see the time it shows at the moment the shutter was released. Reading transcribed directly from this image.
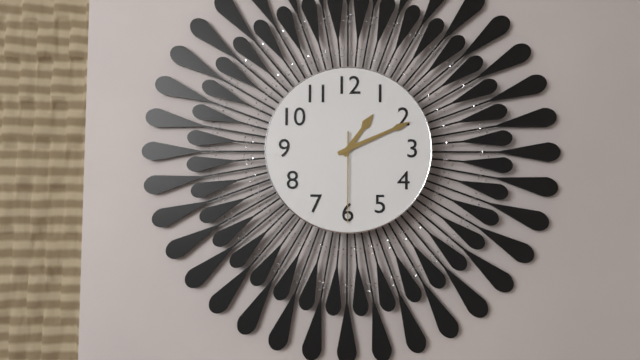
1:11:30
